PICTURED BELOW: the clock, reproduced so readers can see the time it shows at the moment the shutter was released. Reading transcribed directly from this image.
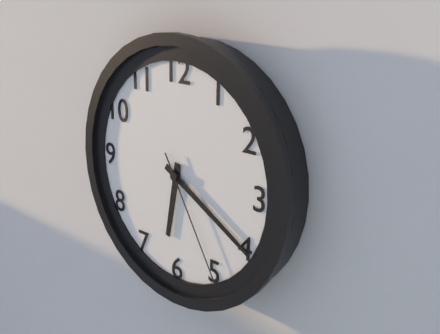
6:20:25
